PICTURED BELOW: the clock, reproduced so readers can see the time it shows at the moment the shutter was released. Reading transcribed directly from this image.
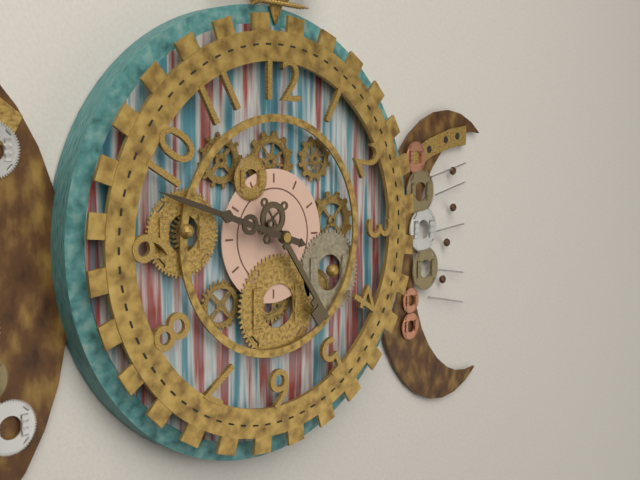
4:48
